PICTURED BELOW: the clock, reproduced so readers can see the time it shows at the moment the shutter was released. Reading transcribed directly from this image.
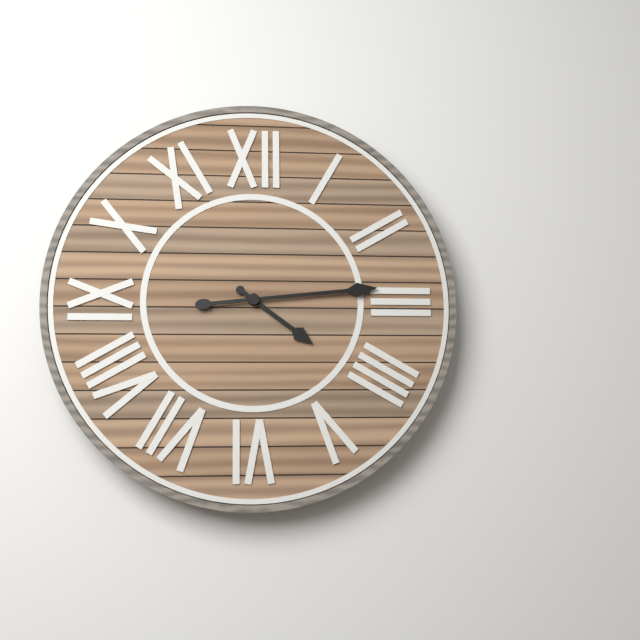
4:14
